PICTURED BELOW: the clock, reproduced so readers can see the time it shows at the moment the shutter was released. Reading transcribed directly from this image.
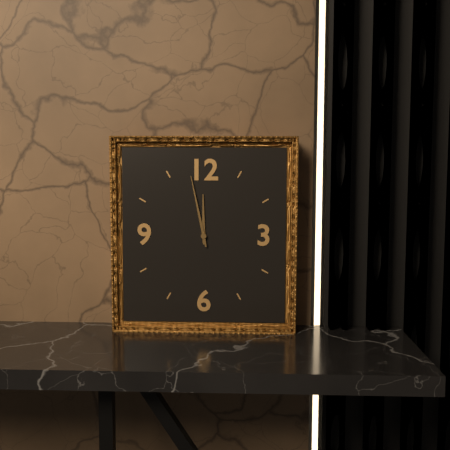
11:58
